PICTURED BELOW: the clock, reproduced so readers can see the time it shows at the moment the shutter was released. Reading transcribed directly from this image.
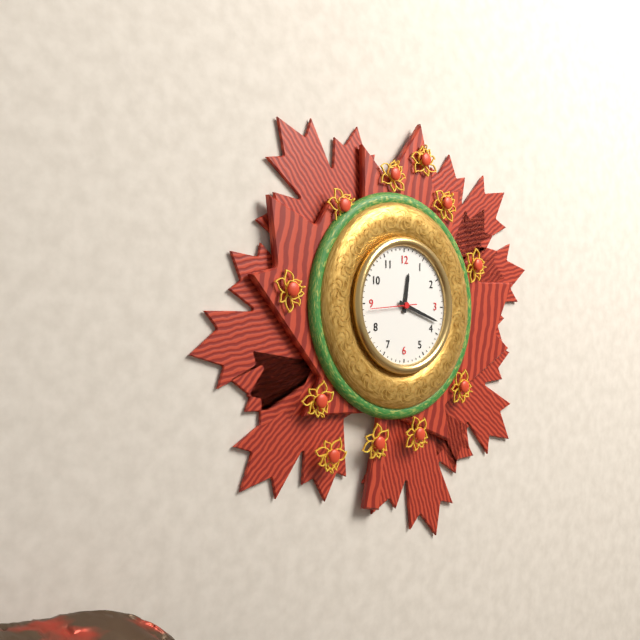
12:18
